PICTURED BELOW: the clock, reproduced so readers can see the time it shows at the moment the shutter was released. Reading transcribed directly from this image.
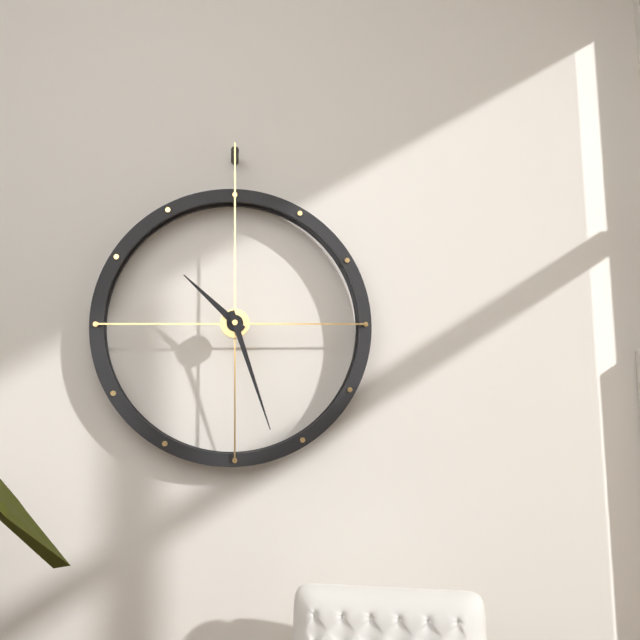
10:27
